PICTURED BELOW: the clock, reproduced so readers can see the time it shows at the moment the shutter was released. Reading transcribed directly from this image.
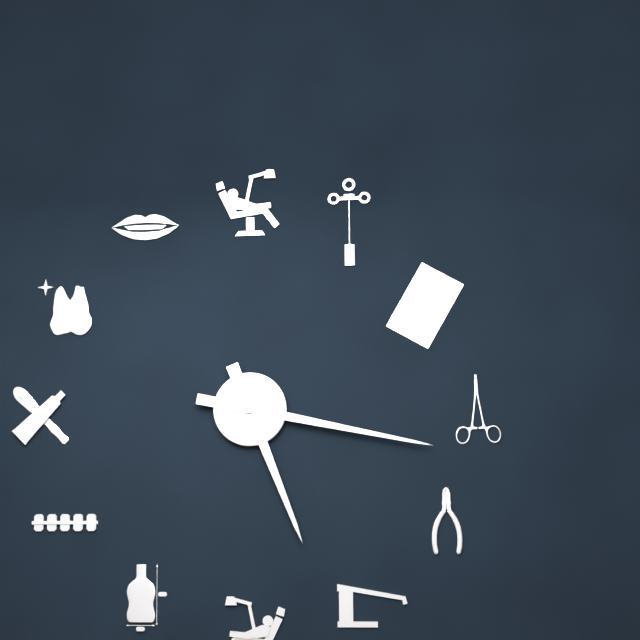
5:17
